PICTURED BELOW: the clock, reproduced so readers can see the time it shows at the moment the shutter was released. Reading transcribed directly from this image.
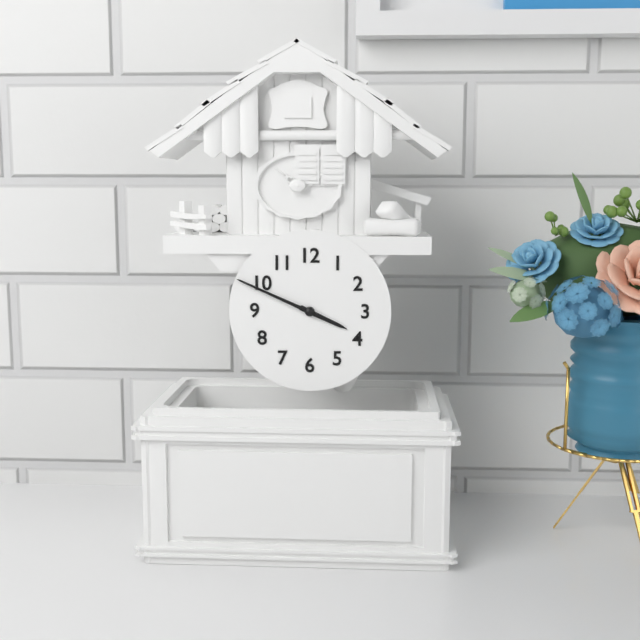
3:49
